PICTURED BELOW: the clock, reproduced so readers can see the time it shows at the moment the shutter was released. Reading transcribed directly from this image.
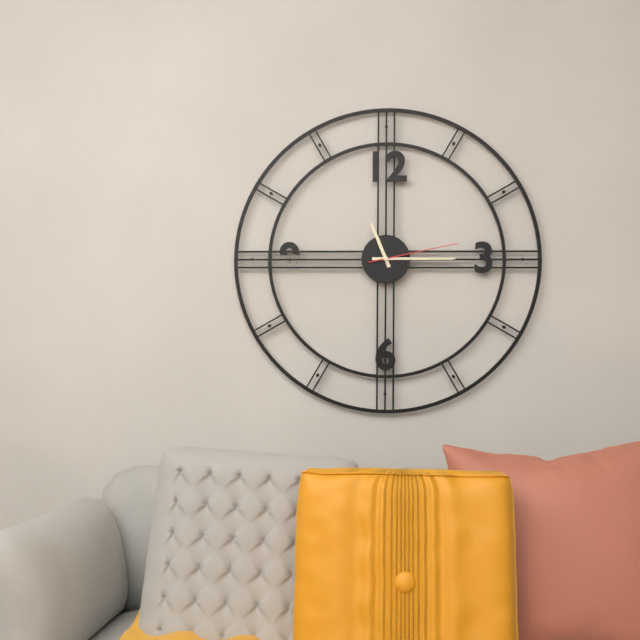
11:15:13
